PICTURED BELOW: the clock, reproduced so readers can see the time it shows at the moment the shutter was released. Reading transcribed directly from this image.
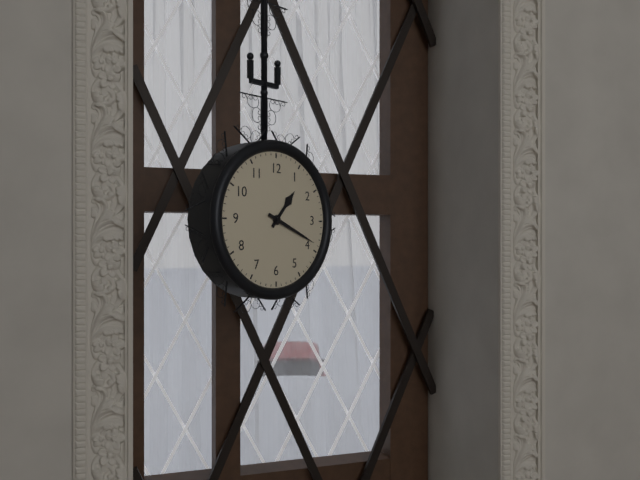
1:19
